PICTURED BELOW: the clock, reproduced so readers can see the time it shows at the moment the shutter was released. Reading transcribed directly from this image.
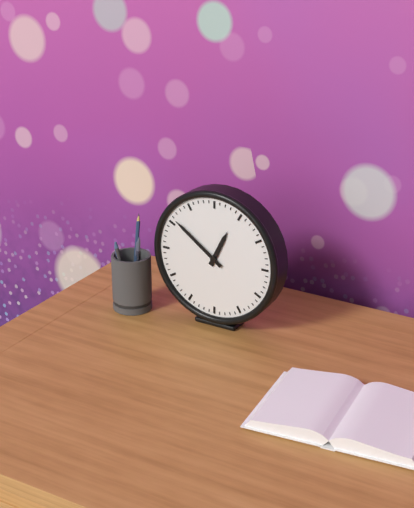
12:51
